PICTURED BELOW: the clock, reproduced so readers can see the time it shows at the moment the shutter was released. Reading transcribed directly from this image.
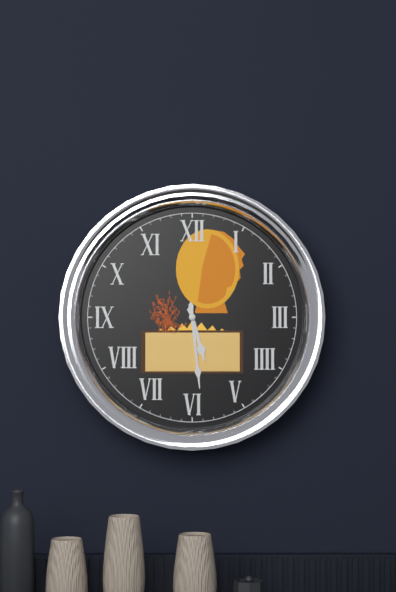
5:29
